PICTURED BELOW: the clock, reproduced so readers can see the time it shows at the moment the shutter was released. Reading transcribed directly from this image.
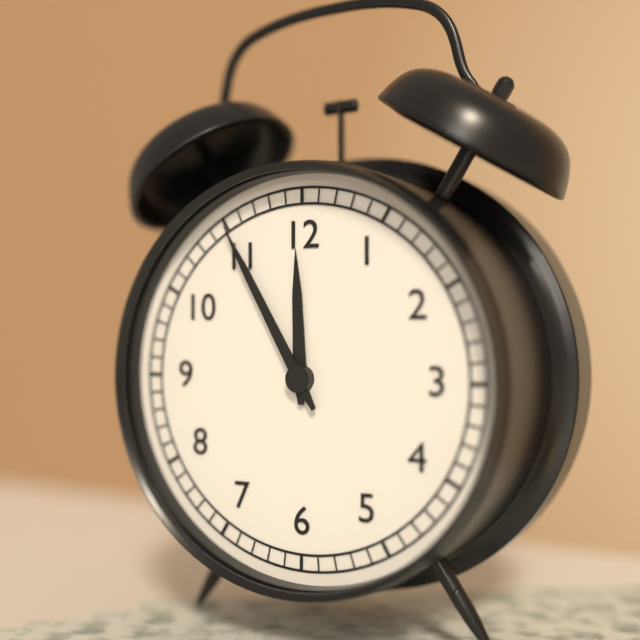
11:55
